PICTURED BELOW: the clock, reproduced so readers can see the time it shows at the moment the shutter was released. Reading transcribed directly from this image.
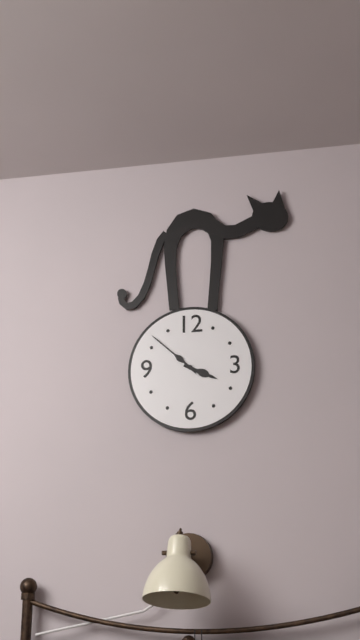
3:52
